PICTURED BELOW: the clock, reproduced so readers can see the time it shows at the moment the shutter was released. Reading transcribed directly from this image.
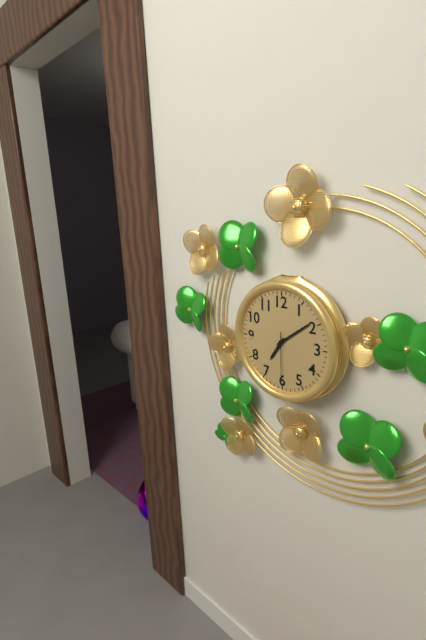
7:09:30
